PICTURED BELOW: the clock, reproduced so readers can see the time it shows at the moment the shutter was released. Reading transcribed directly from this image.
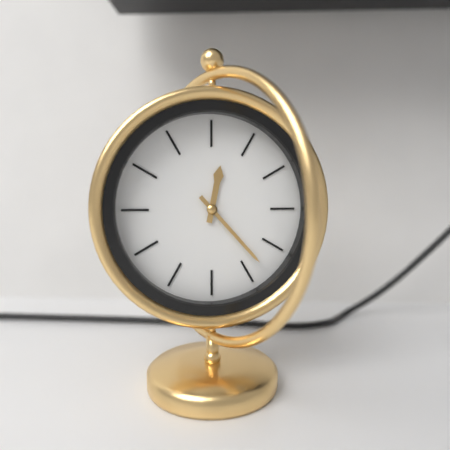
12:23
